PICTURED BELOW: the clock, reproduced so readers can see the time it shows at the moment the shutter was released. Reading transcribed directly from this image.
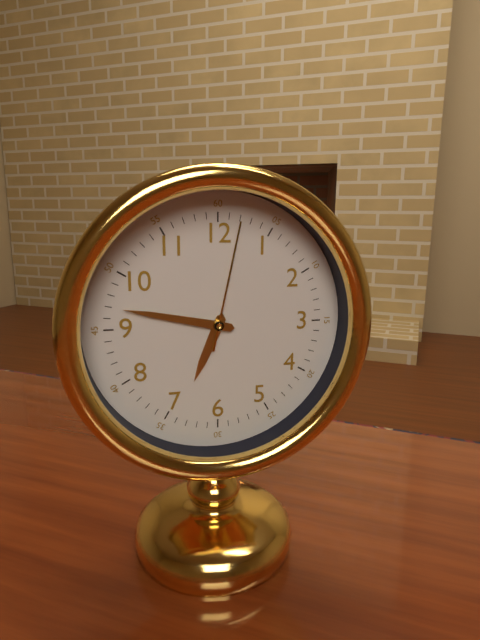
6:47:02
